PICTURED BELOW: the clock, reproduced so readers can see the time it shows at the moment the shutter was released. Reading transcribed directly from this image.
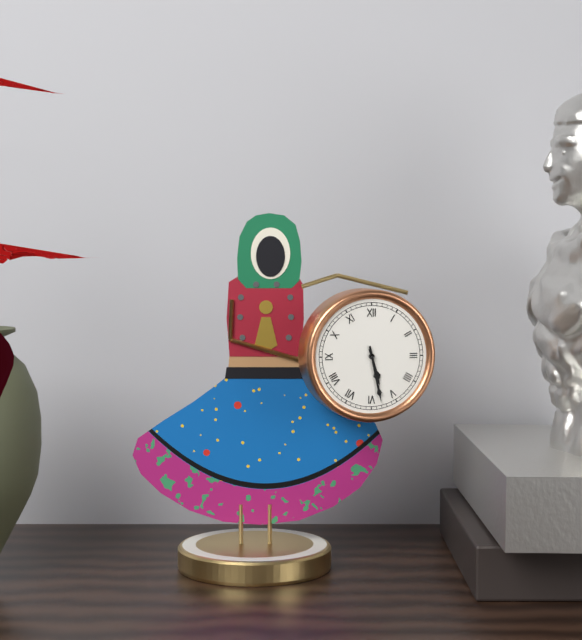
5:28
